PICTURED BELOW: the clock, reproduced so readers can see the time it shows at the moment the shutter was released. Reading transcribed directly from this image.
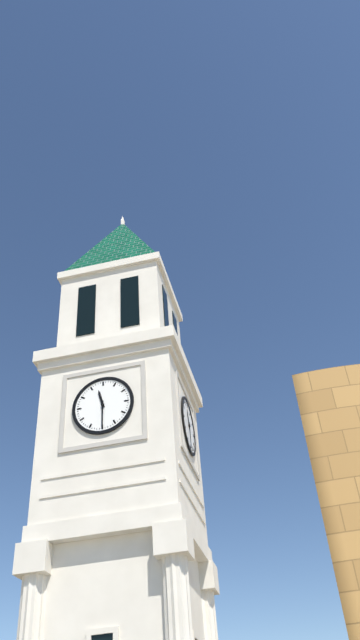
11:30
